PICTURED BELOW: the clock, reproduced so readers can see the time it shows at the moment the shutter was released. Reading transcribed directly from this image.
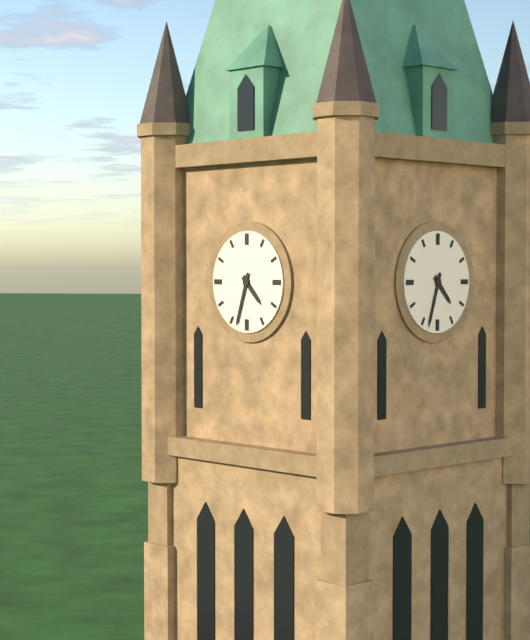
4:33
